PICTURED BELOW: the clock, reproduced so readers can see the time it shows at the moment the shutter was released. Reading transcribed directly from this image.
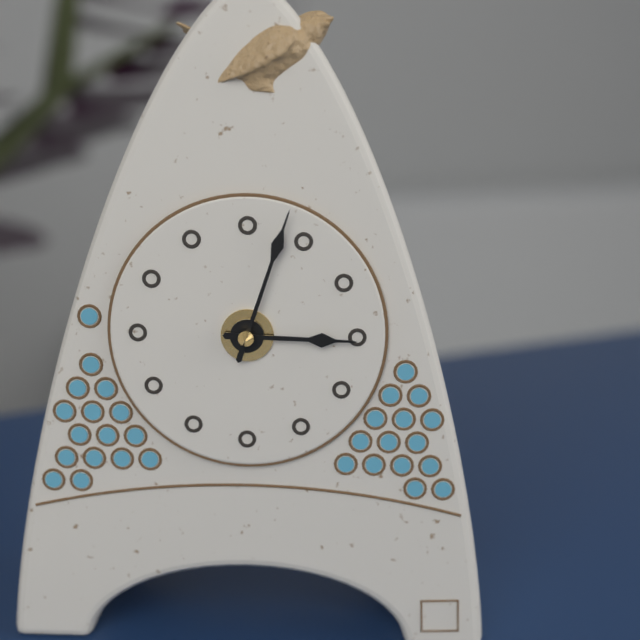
3:03
